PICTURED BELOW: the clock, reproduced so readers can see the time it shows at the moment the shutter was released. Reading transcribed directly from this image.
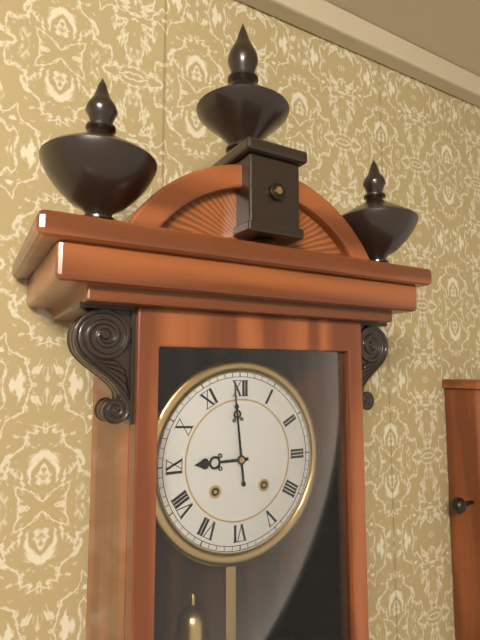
8:59
